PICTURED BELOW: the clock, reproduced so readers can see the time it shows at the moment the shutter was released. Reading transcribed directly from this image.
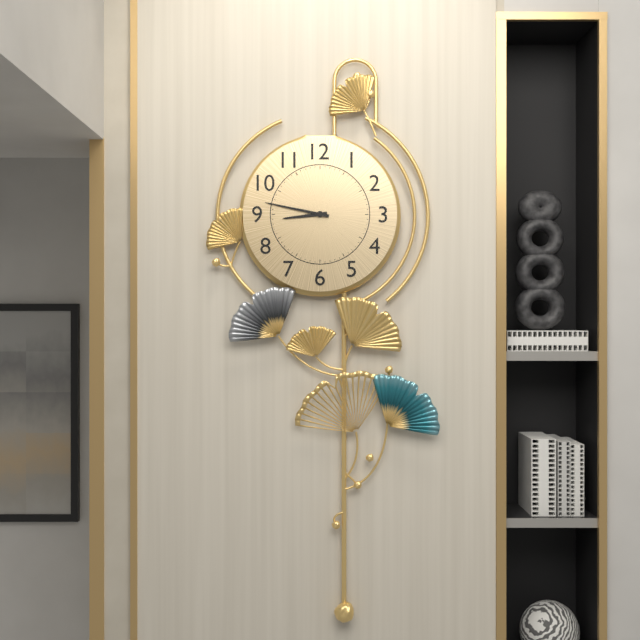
8:47
